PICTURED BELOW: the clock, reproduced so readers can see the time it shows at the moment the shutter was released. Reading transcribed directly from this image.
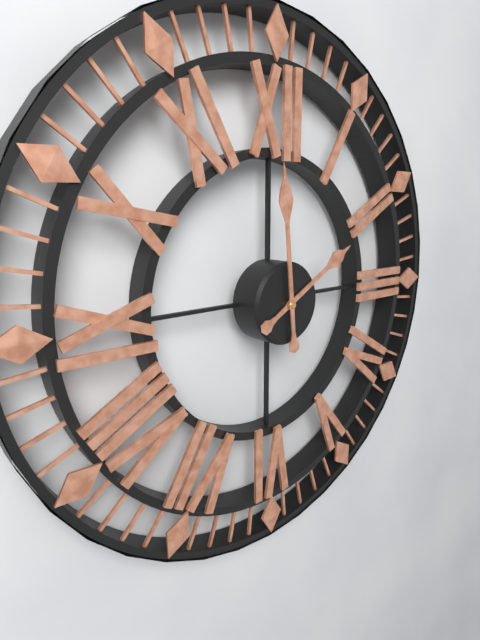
1:59
